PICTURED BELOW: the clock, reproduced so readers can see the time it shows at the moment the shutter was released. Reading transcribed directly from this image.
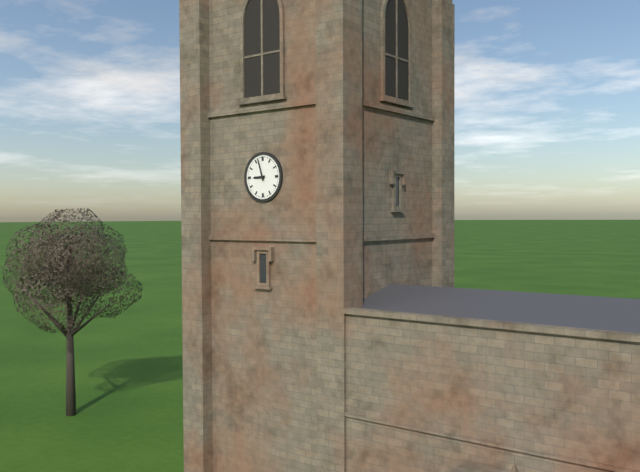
8:57
